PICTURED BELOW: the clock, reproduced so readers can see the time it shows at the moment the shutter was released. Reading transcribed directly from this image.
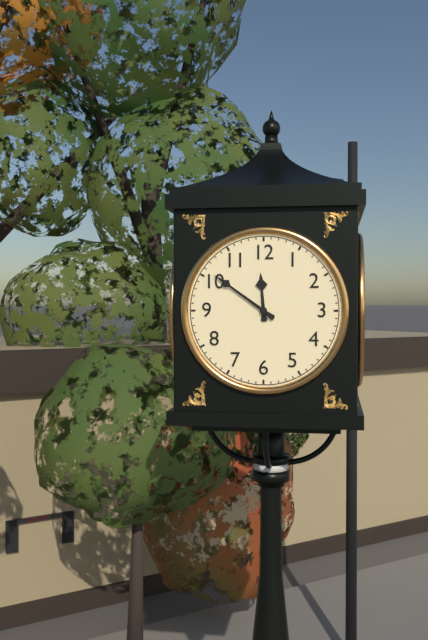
11:51
